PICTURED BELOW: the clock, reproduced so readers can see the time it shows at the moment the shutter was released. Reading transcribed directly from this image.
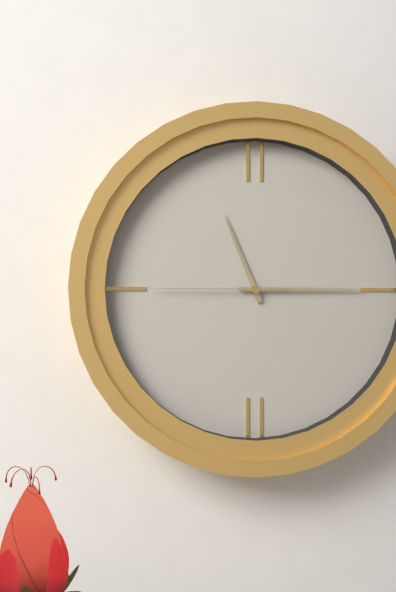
11:15:45
